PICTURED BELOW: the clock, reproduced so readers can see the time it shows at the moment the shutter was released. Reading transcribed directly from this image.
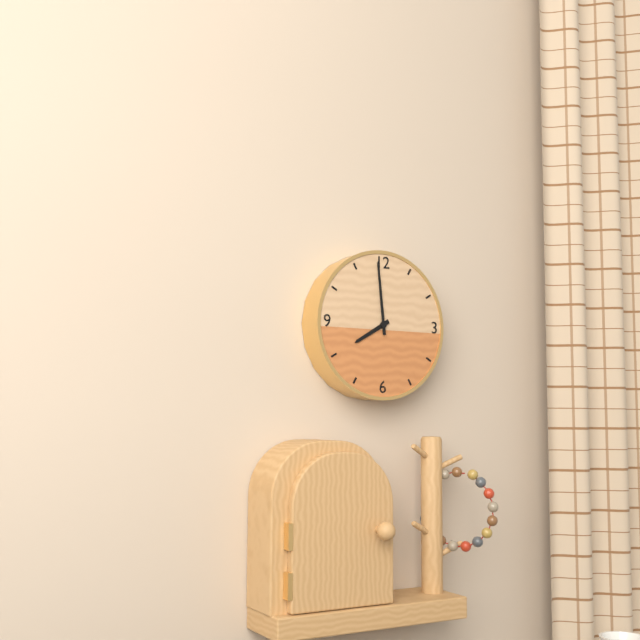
7:59
